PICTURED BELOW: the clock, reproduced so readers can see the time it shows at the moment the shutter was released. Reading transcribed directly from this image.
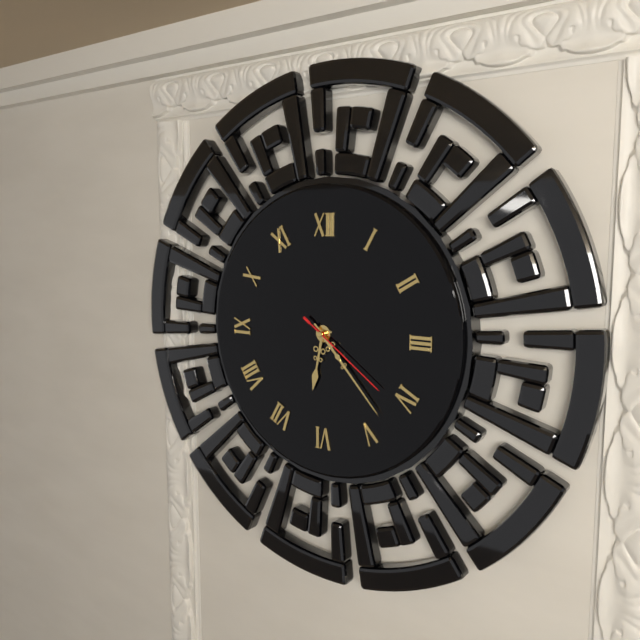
6:23:21
